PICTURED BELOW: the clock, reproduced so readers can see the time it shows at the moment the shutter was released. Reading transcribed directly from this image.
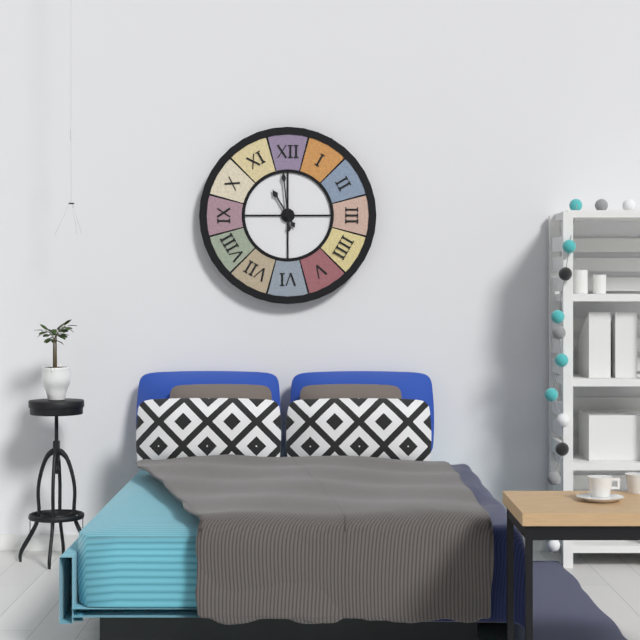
10:59
